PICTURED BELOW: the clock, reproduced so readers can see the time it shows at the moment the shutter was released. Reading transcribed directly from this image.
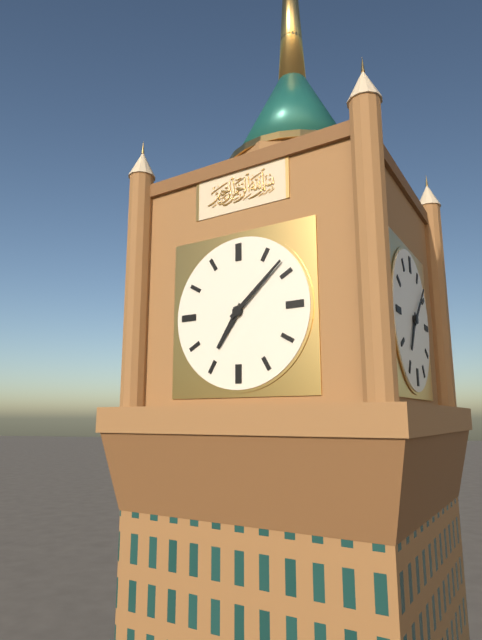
7:08
